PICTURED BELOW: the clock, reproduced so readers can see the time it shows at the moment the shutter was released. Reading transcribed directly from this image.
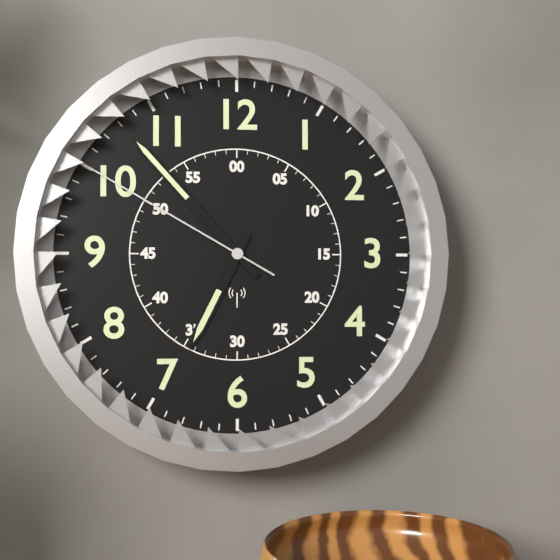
6:53:50
